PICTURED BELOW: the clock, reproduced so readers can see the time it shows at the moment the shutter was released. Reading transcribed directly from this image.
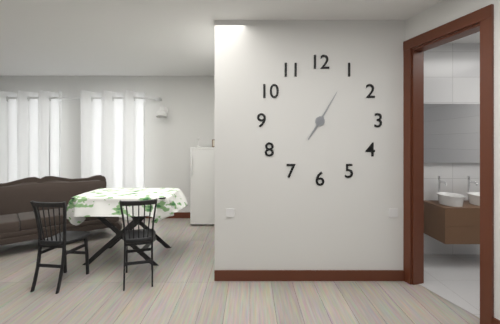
7:05
